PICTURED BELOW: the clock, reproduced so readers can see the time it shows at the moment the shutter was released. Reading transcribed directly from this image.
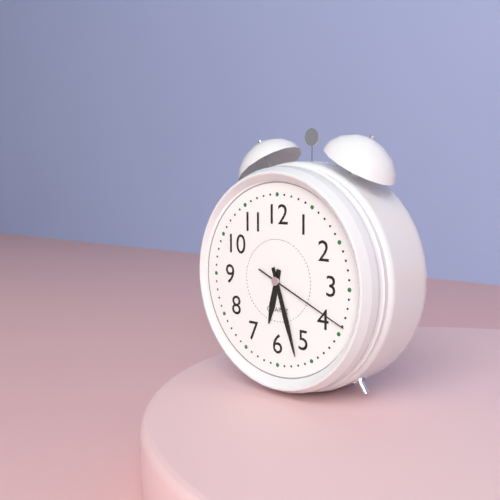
6:27:19
